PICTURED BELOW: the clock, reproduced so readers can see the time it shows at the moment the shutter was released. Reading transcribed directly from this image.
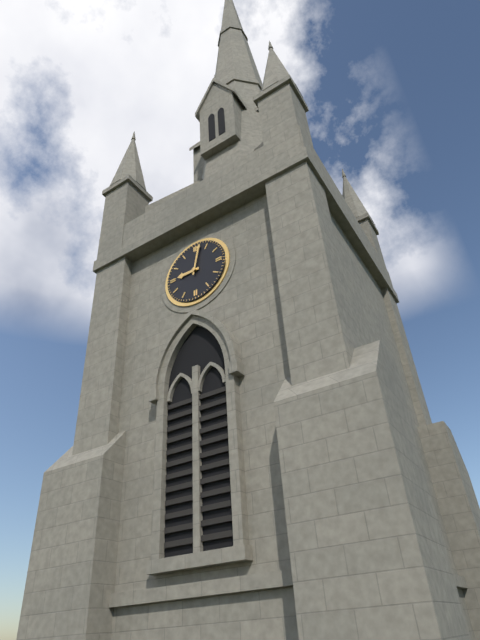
9:02
